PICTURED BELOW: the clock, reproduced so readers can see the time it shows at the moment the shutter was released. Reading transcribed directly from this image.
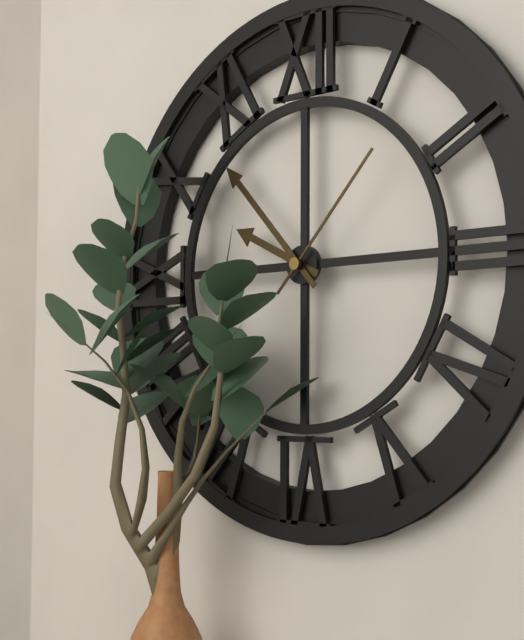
9:53:07
